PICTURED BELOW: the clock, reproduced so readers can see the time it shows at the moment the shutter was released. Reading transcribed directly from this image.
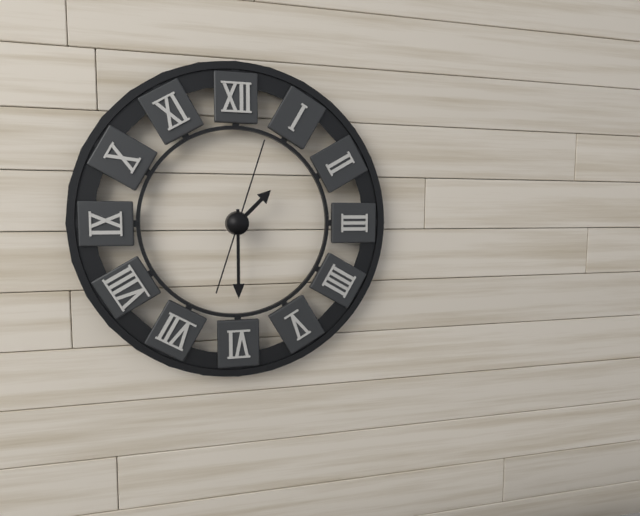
1:30:03
